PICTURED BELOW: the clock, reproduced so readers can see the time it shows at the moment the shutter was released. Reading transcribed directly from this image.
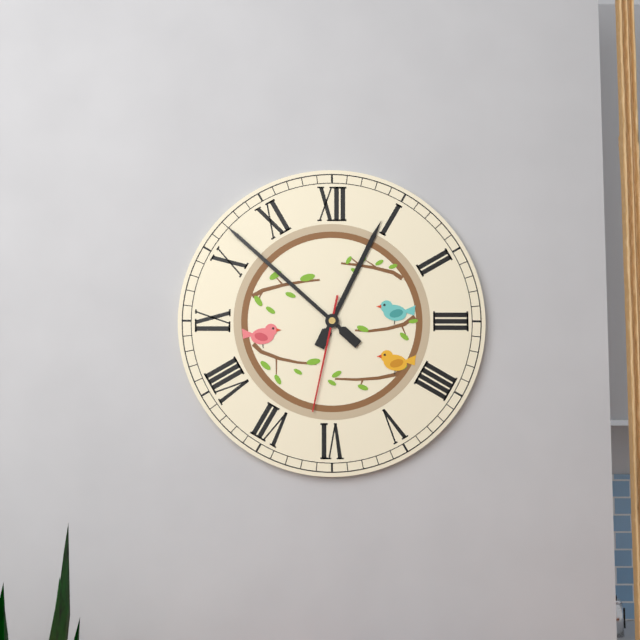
12:52:32
